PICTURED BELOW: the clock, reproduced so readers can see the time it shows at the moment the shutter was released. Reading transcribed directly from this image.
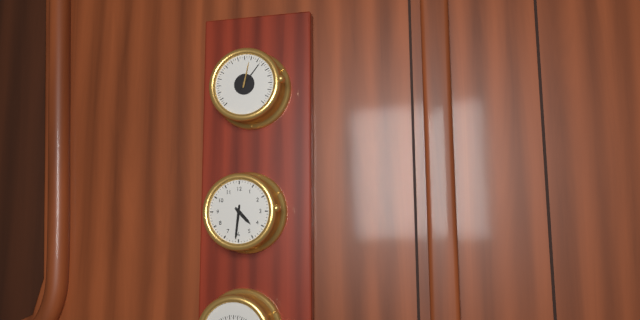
4:31
